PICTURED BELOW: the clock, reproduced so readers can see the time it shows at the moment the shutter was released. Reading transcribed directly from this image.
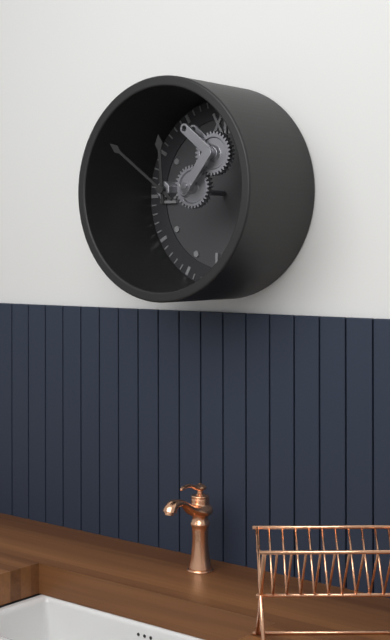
11:51
